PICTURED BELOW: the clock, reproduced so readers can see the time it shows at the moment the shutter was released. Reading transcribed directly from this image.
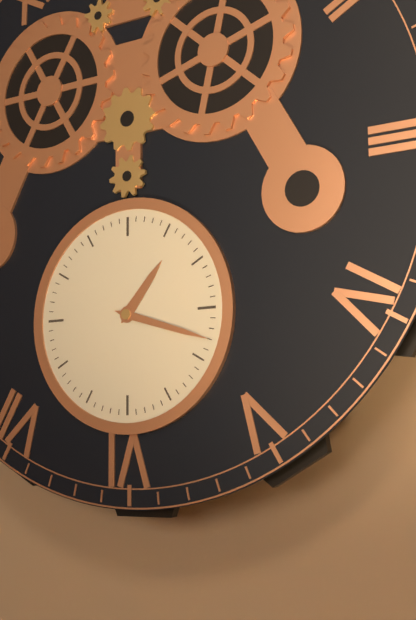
1:18
